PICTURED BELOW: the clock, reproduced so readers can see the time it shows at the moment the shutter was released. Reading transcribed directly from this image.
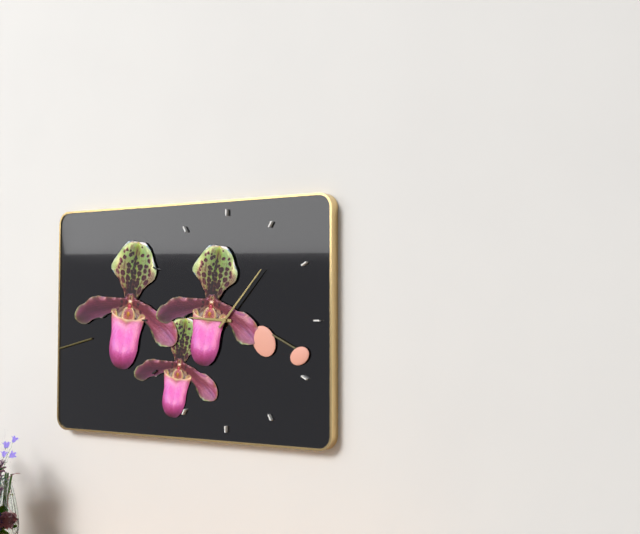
9:07
